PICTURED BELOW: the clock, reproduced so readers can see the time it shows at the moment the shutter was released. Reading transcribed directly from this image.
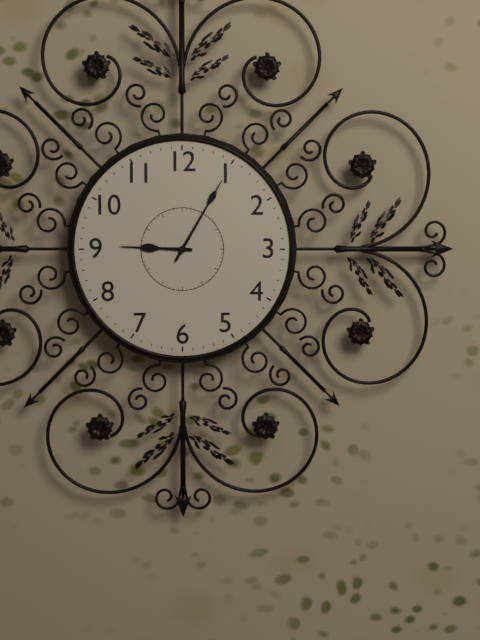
9:05
